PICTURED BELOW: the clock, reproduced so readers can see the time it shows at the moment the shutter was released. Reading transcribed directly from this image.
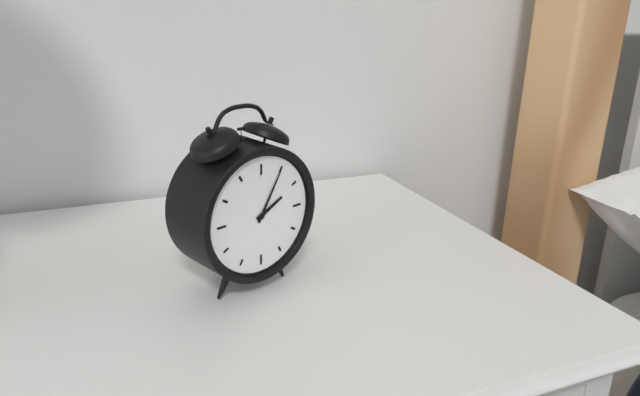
2:05
